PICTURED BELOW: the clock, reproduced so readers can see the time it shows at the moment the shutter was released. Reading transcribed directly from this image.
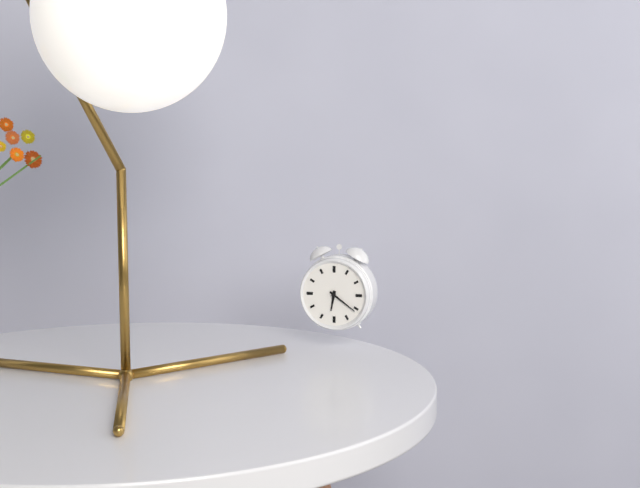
6:21
